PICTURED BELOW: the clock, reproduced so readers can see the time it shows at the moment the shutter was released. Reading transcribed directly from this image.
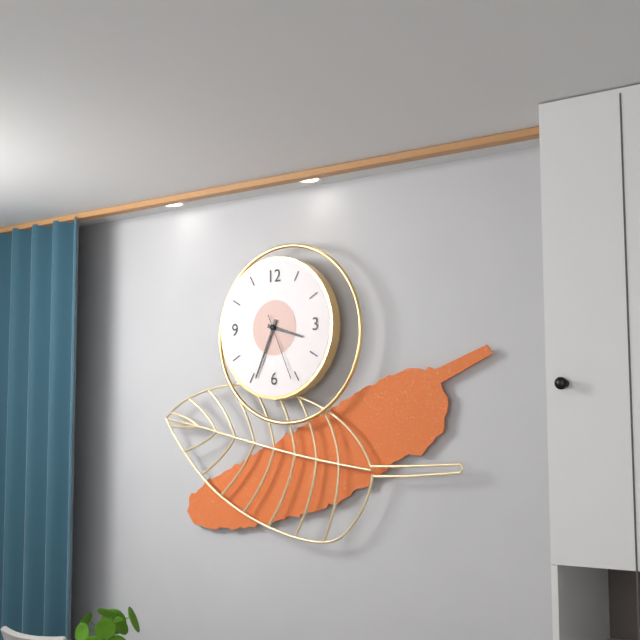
3:34:26
